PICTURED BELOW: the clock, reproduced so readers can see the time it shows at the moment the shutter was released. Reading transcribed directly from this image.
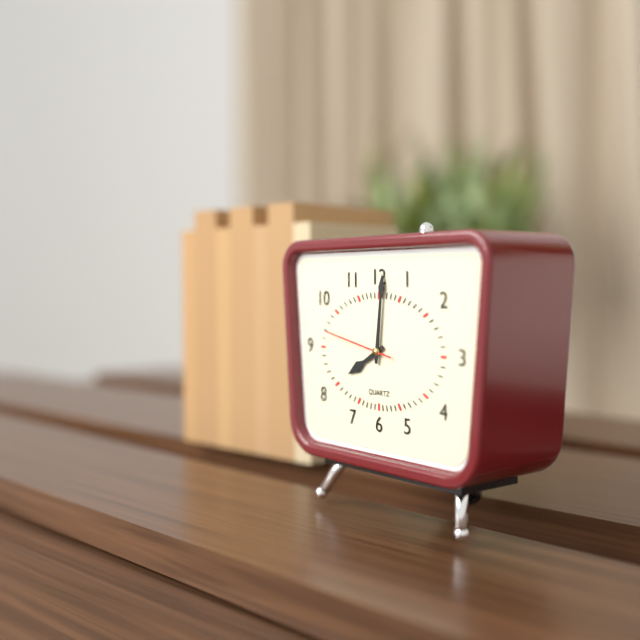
8:01:47
